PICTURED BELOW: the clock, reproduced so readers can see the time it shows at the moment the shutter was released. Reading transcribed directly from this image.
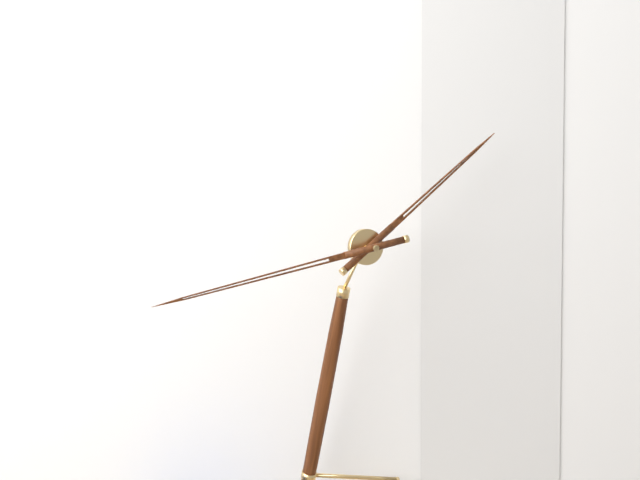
1:43
